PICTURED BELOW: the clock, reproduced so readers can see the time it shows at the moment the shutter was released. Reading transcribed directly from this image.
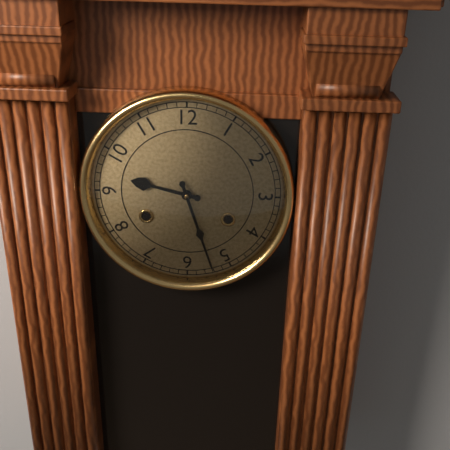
9:27
